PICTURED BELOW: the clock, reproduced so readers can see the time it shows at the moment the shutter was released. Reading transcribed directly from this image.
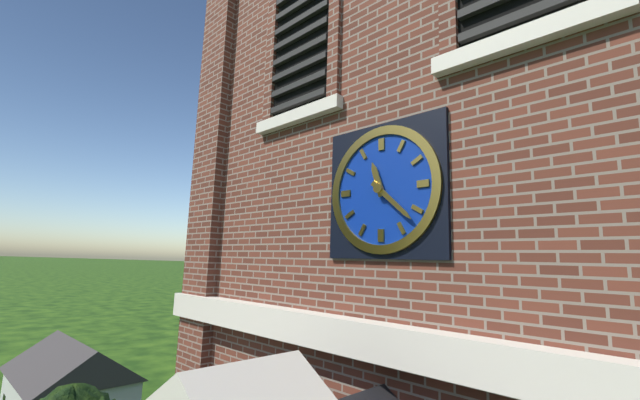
11:22
